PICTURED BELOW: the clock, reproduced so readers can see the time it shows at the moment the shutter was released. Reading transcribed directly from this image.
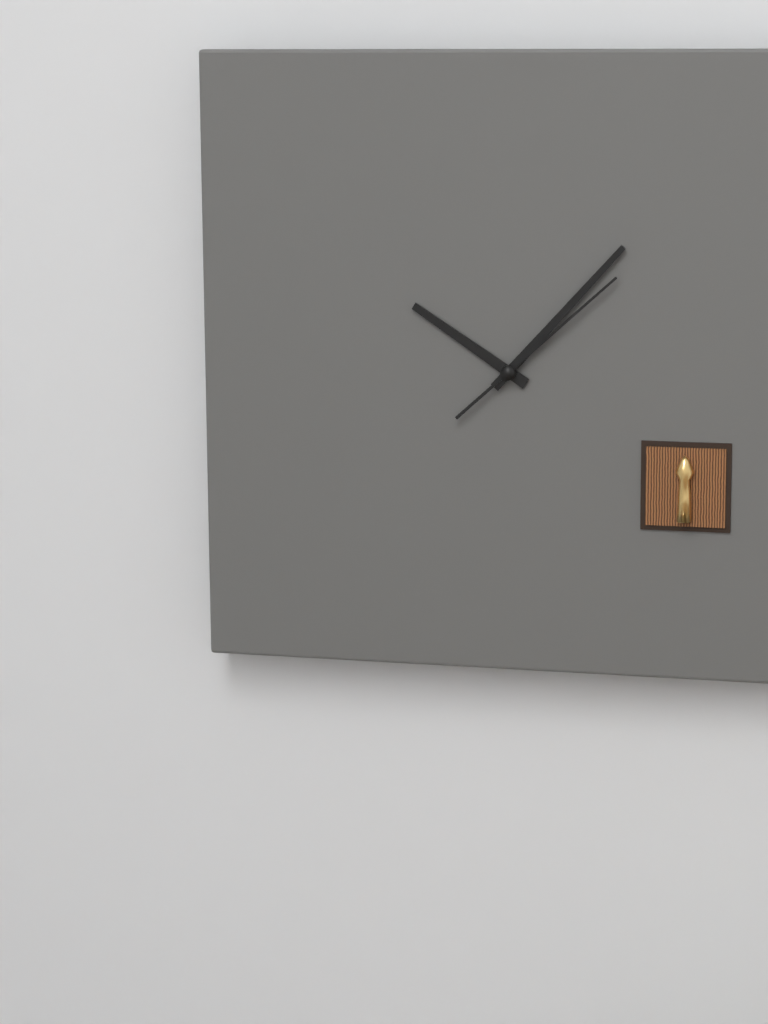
10:07:08
